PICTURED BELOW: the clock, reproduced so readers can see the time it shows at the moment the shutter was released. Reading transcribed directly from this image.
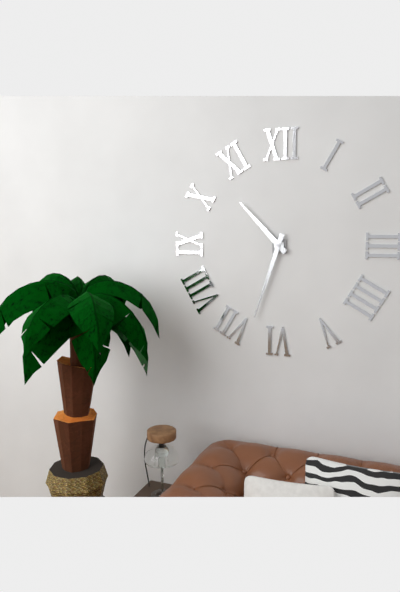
10:33
